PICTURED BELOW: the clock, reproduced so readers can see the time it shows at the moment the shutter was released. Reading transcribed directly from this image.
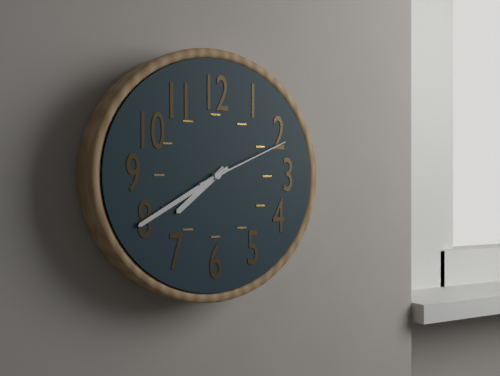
7:40:11
